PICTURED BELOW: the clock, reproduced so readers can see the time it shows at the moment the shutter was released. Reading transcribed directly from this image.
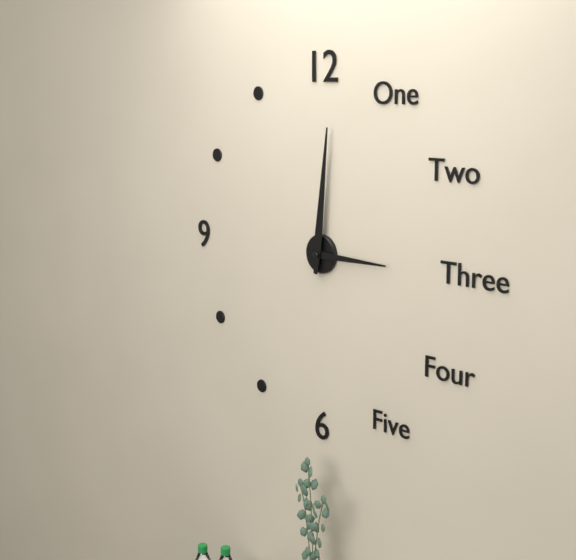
3:01
